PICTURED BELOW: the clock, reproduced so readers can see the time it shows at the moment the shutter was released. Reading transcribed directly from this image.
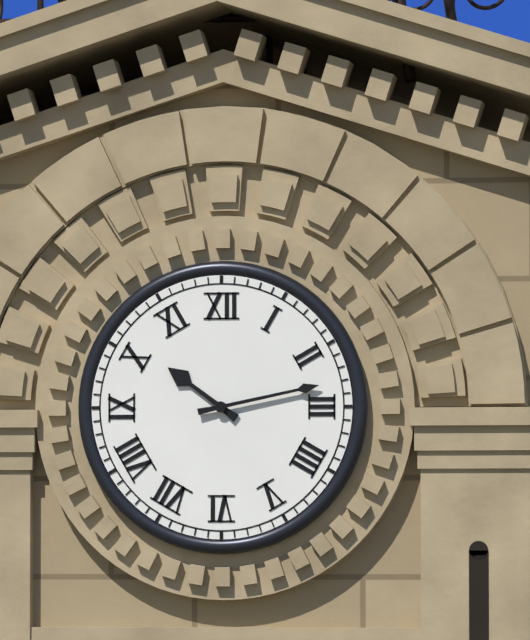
10:13
